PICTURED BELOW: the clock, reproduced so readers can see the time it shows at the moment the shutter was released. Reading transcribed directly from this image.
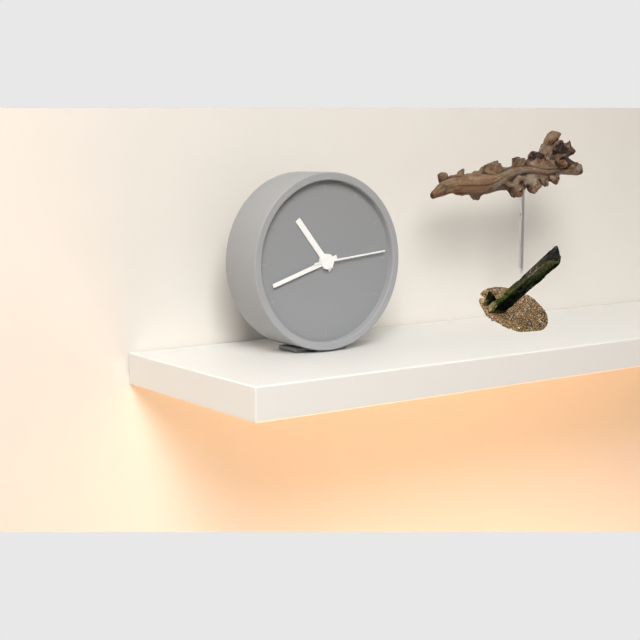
10:42:14
